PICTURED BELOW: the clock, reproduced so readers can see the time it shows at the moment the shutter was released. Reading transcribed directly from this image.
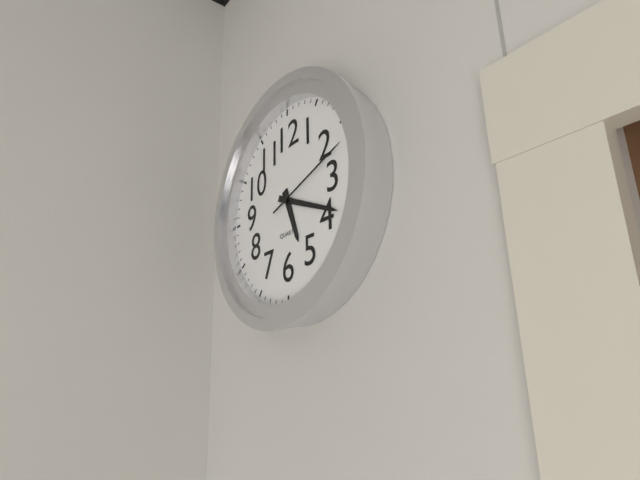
5:19:12
